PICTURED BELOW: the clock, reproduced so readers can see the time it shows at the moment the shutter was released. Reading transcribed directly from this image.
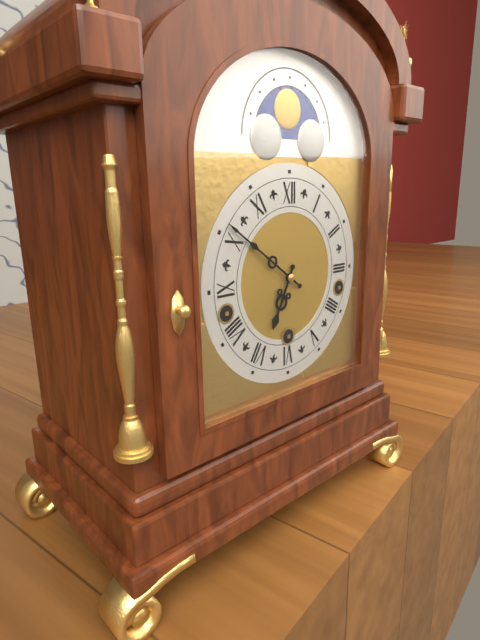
6:51
